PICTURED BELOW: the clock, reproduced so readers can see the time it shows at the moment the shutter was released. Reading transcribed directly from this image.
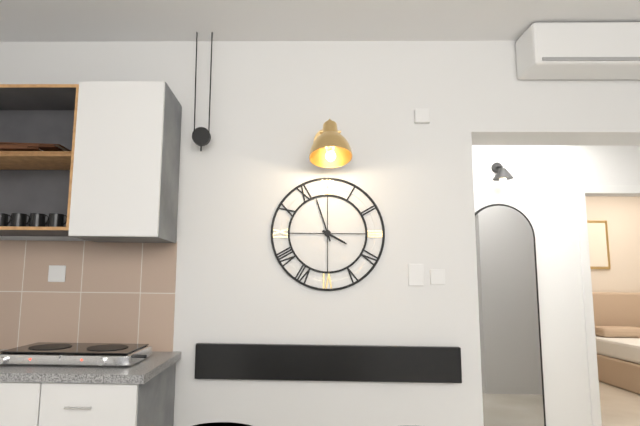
3:57
